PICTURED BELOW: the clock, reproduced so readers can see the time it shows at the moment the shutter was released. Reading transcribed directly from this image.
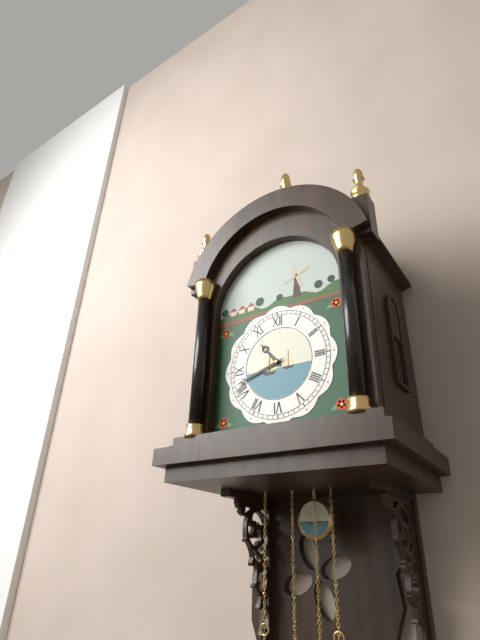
10:42
